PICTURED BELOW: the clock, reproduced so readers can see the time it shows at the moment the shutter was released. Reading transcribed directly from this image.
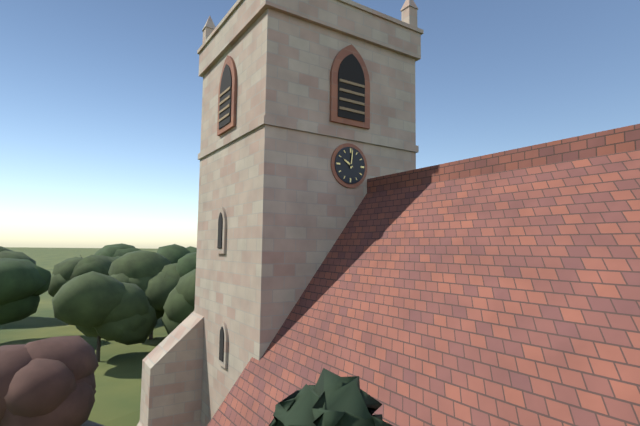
10:01
